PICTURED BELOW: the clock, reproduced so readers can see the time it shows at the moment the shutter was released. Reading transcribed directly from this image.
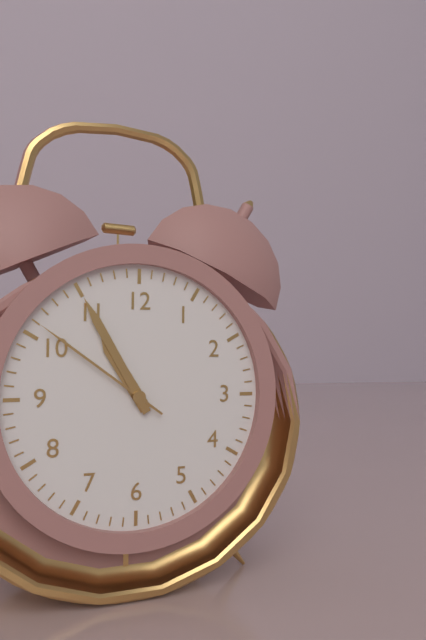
10:55:51
